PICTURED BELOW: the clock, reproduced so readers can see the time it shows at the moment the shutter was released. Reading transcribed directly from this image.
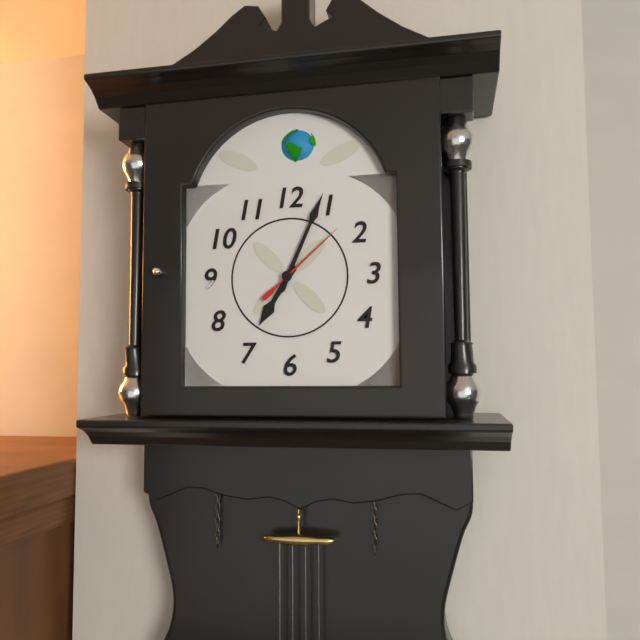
7:04:08
